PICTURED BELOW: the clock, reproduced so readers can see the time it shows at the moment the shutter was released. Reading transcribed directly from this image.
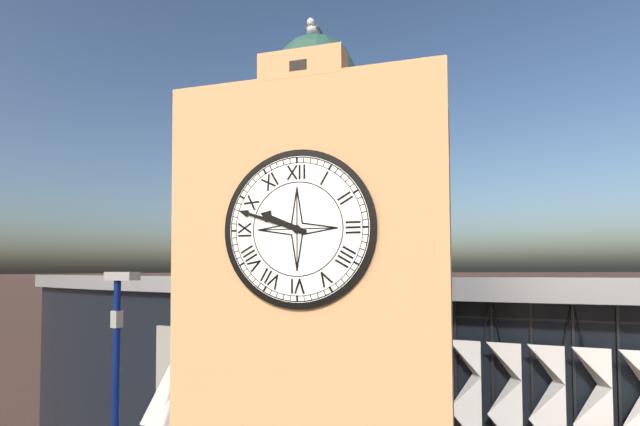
9:48
